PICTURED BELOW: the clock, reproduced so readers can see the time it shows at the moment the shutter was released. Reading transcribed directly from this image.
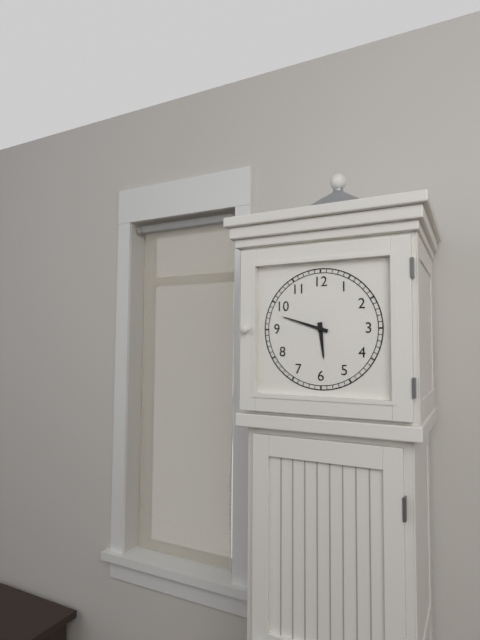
5:48
